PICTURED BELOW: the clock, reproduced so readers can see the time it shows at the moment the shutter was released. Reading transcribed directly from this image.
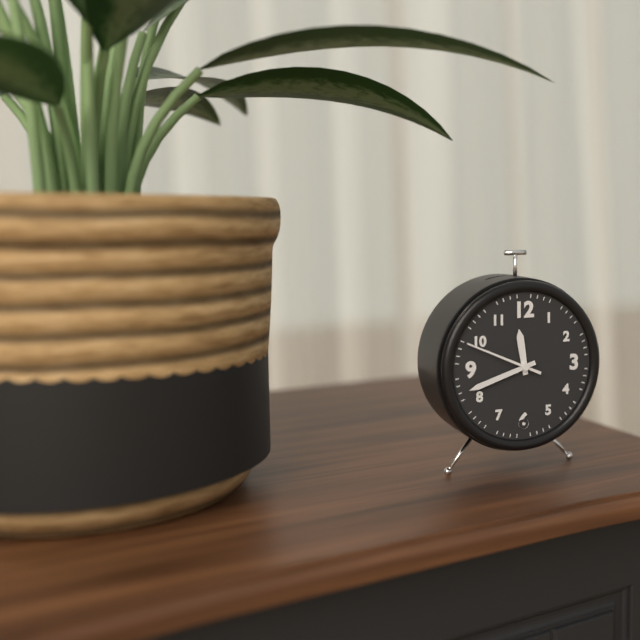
11:42:49
